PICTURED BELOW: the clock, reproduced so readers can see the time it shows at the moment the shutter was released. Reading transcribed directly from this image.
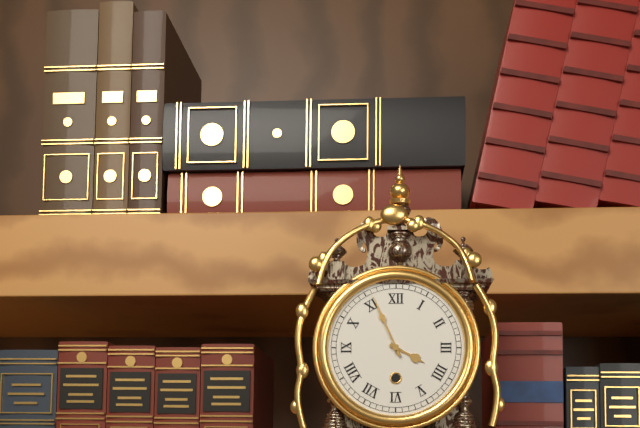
3:56
